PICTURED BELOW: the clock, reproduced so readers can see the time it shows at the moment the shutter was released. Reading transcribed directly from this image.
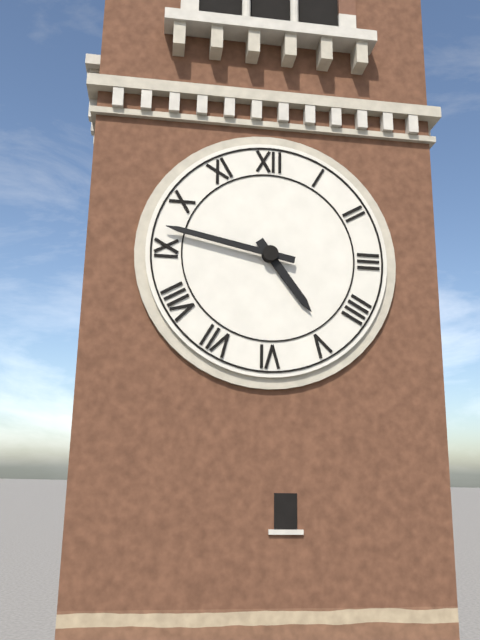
4:47
